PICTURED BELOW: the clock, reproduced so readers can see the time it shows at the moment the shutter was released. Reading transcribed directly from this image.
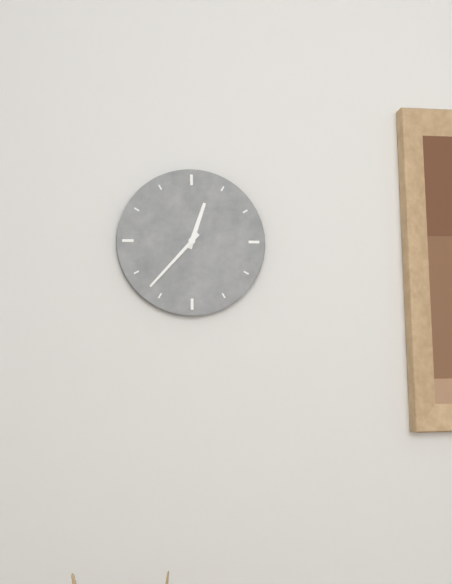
12:37
